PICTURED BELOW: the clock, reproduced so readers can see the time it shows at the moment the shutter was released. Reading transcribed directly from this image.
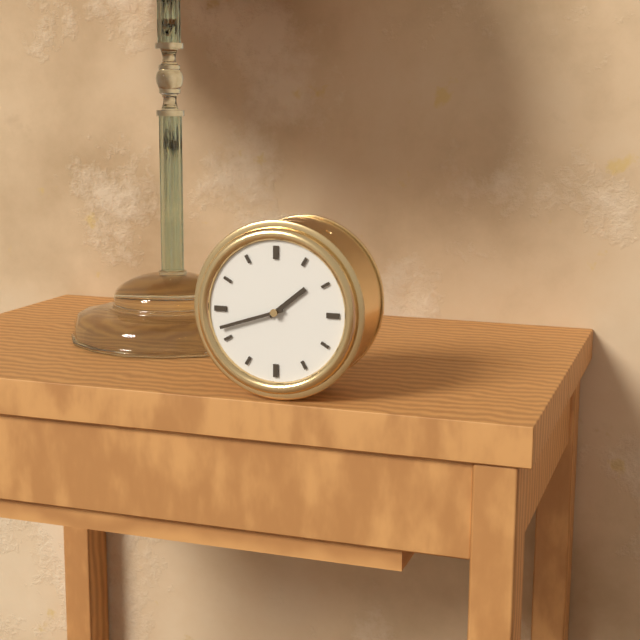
1:42
